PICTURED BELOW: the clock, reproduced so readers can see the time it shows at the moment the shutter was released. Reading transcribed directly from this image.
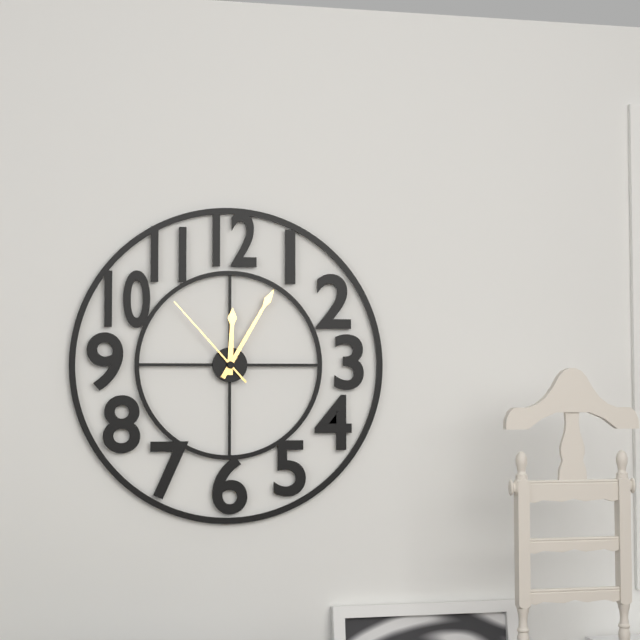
12:05:53
